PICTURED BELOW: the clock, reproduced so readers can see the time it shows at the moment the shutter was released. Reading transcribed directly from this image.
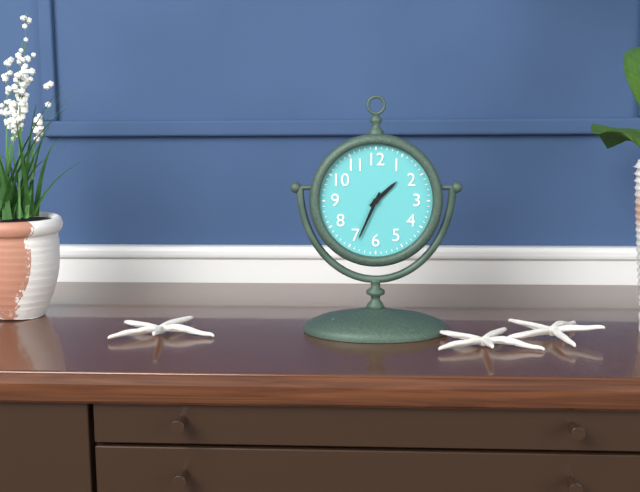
1:34
